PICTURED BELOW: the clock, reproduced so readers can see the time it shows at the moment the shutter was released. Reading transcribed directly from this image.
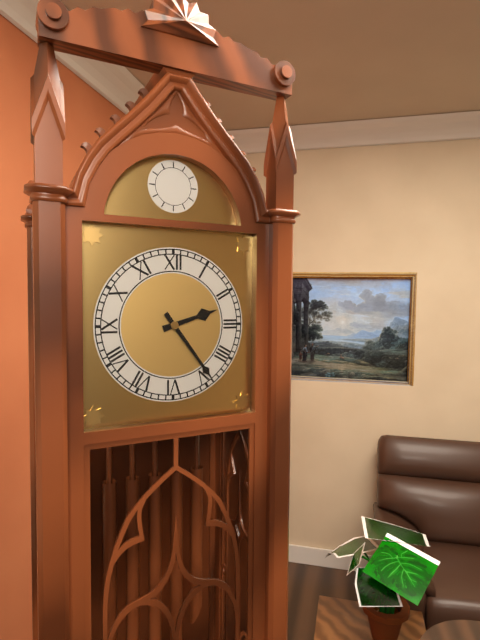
2:24
